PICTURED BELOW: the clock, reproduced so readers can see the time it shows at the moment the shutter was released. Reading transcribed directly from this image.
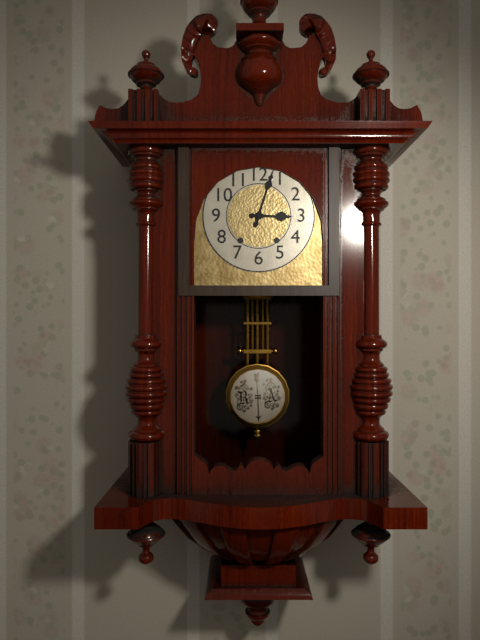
3:03
